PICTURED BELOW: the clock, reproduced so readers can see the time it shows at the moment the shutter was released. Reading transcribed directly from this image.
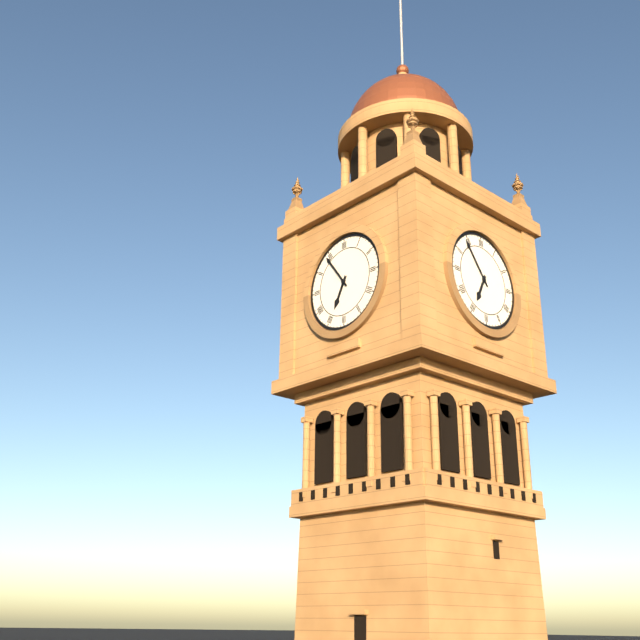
6:54
